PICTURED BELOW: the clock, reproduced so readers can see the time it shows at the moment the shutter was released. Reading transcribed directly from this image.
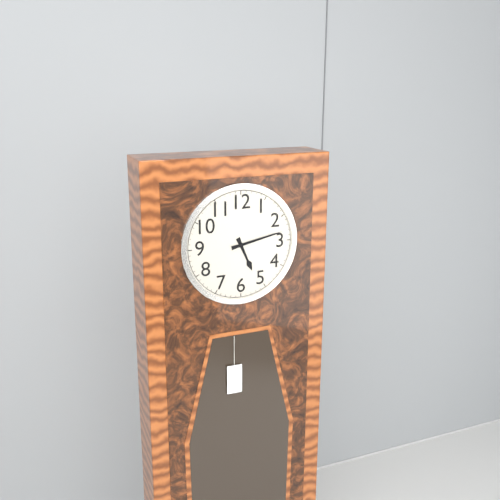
5:13
